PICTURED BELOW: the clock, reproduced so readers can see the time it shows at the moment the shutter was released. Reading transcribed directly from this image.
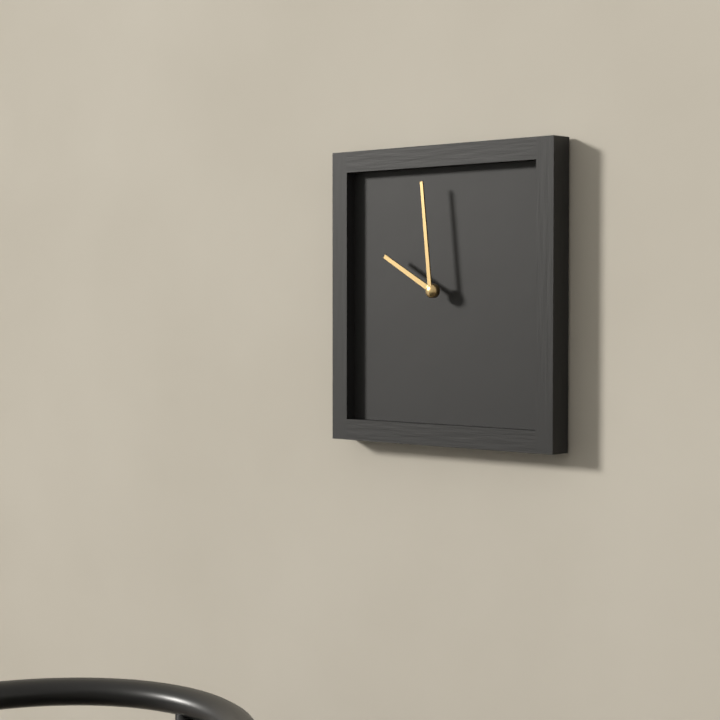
9:59
